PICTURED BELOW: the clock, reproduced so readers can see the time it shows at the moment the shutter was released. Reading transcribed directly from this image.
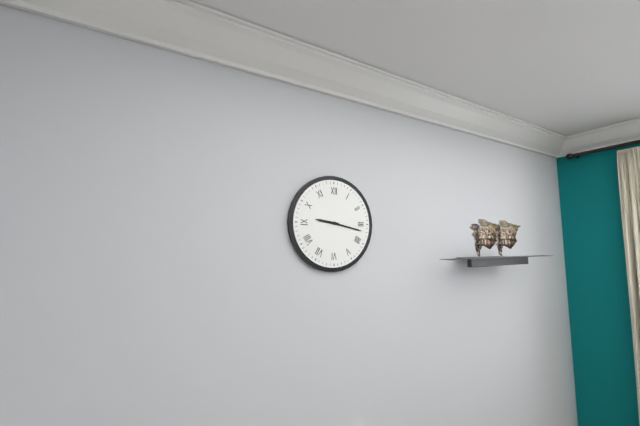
9:17
